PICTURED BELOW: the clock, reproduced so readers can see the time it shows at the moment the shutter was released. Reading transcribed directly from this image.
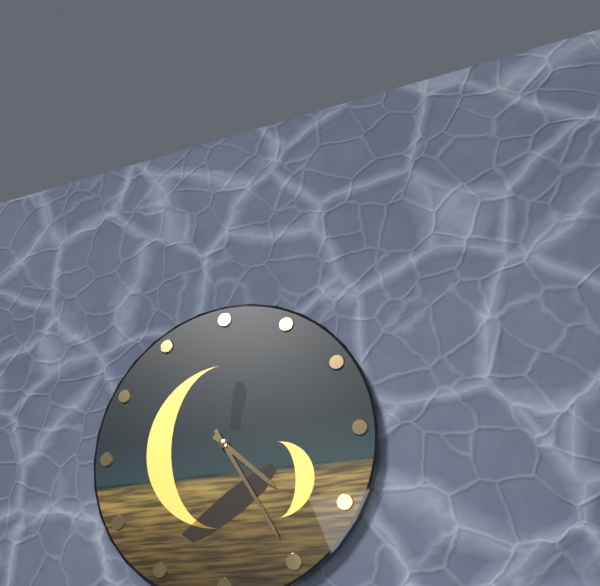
4:25
